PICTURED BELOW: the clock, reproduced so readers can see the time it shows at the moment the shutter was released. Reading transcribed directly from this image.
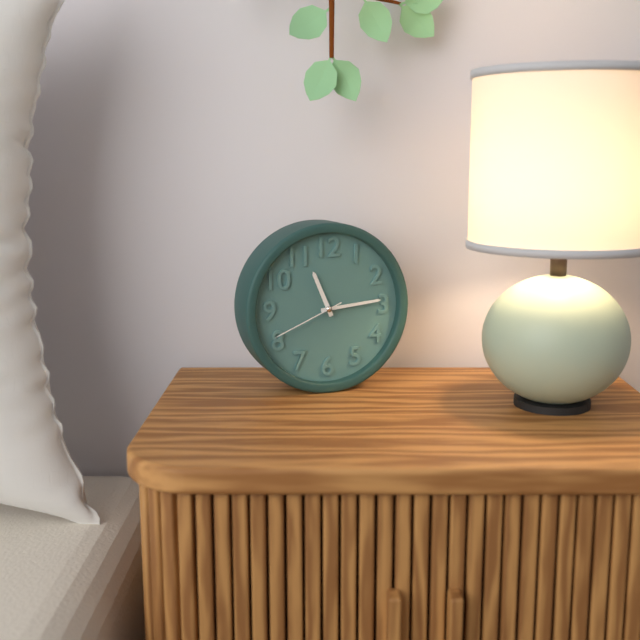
11:14:41
